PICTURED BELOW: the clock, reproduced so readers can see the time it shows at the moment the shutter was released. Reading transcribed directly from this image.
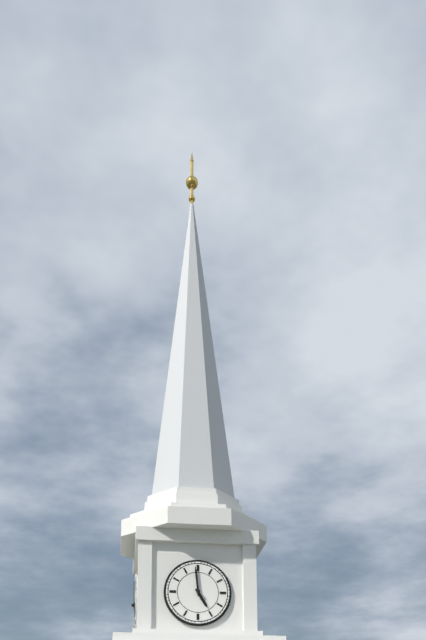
4:59
